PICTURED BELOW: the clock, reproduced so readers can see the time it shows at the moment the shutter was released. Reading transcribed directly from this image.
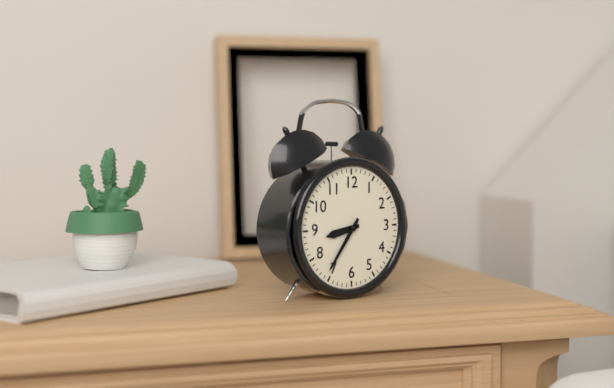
8:36
